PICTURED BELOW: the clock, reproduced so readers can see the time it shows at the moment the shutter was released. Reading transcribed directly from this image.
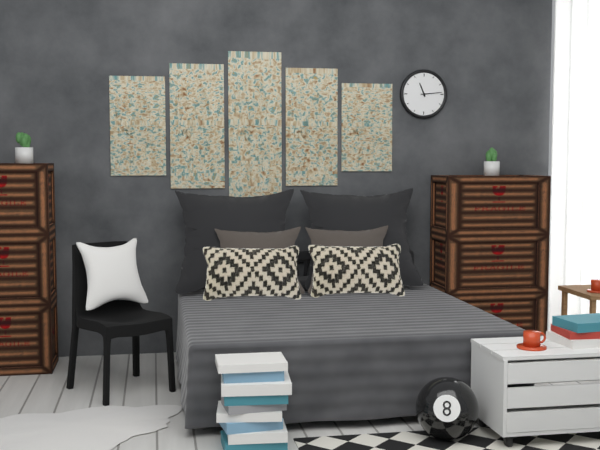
11:14
